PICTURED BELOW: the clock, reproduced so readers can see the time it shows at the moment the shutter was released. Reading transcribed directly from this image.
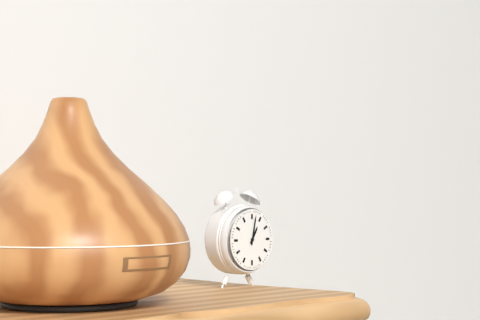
1:02
